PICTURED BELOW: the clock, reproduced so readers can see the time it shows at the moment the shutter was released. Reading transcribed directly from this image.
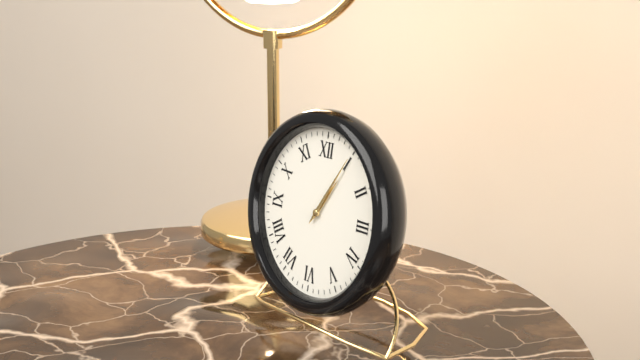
1:05
